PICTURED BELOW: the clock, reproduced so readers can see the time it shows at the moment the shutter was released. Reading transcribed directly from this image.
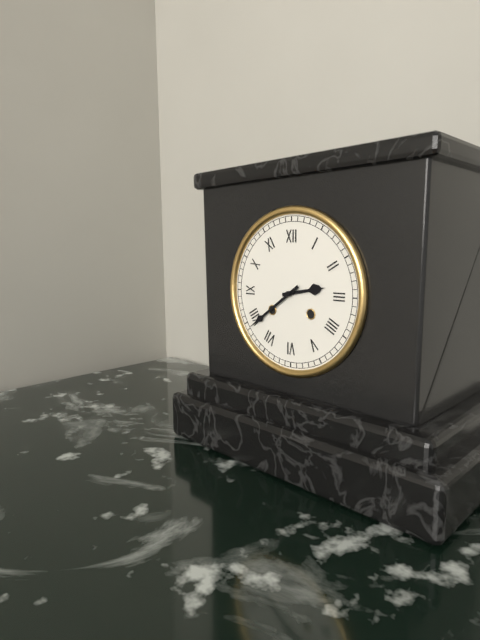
2:39
